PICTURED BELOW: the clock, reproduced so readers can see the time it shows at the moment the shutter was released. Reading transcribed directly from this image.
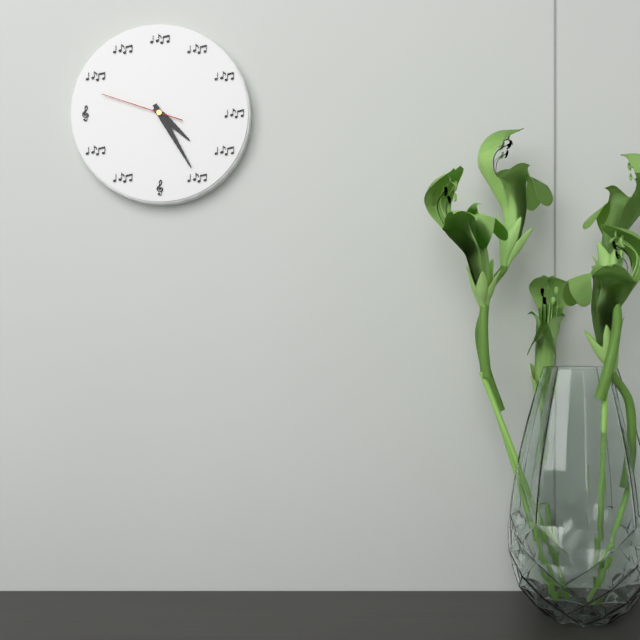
4:25:48
